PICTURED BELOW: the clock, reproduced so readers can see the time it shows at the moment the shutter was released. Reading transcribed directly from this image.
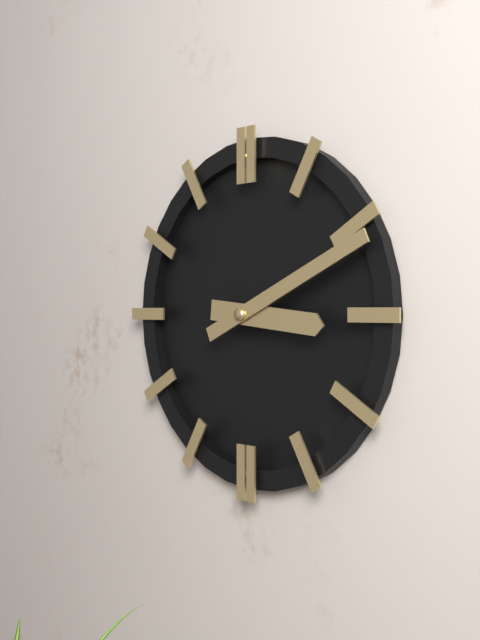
3:11
